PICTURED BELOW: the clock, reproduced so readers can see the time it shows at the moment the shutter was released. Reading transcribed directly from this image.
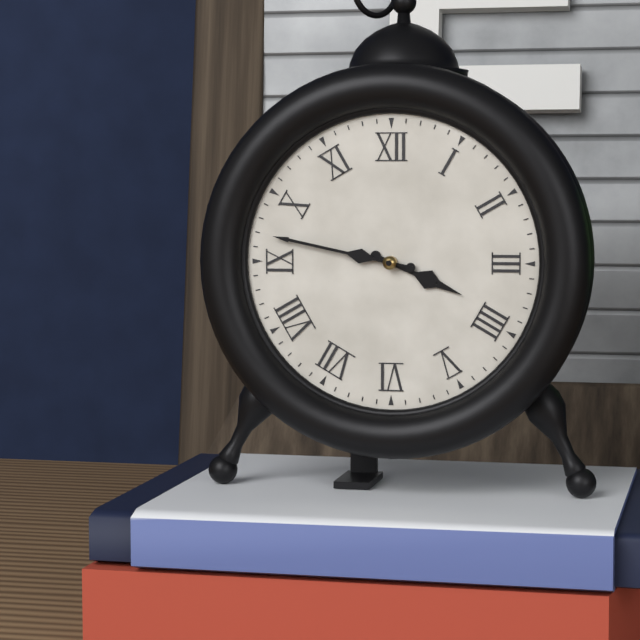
3:47
